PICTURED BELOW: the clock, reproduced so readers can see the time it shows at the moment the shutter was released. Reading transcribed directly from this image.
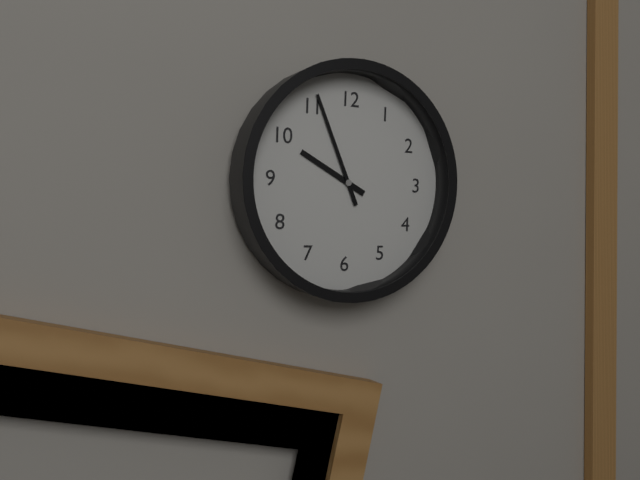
9:56
